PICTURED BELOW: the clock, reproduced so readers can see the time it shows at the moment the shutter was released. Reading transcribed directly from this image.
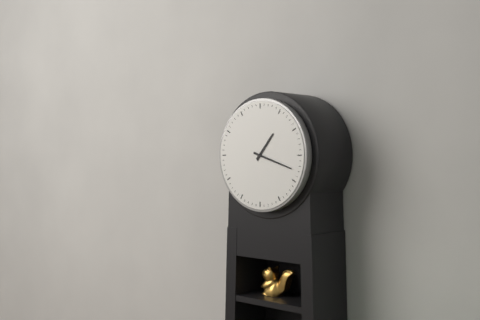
1:18
